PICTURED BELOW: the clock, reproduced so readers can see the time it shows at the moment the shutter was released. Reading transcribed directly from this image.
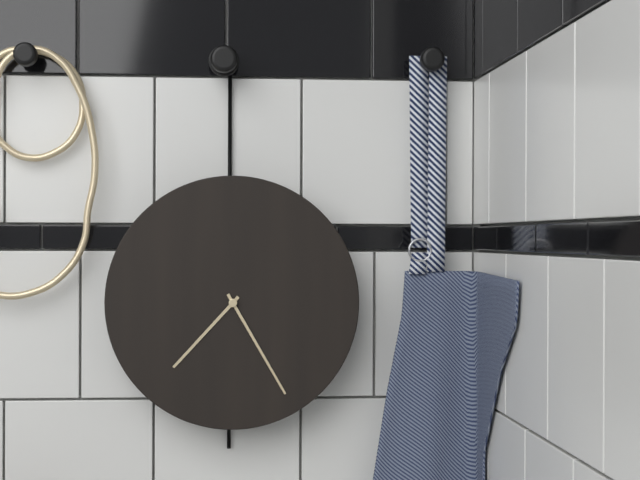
7:25
